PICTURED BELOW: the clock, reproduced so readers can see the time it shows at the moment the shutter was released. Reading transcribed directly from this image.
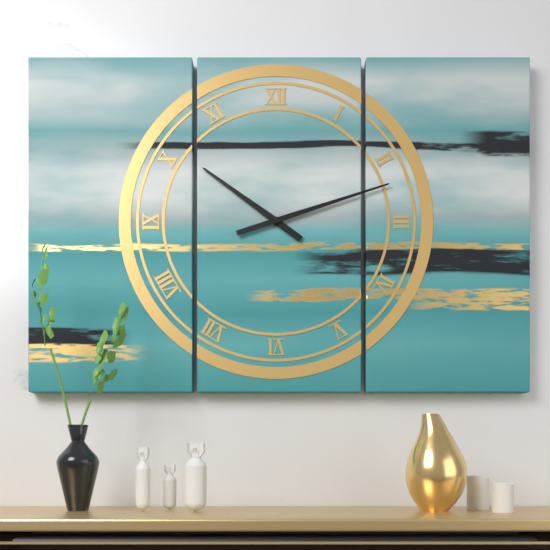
10:12
